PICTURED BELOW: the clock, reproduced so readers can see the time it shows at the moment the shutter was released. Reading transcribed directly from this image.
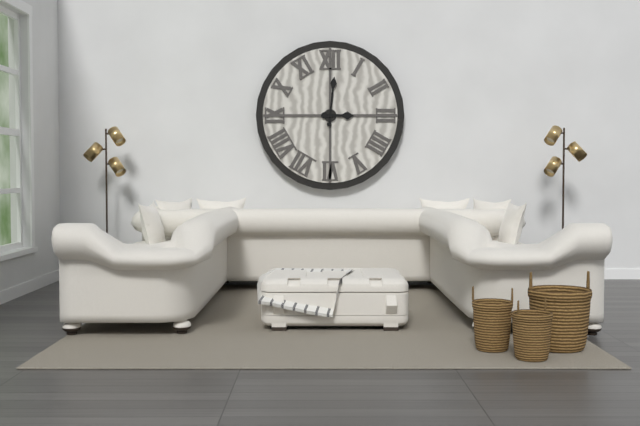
3:01
